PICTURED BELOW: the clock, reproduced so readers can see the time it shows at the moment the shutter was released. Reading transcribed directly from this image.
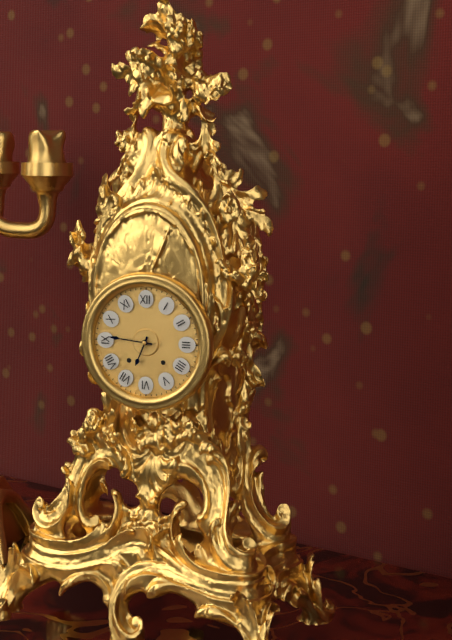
6:46
